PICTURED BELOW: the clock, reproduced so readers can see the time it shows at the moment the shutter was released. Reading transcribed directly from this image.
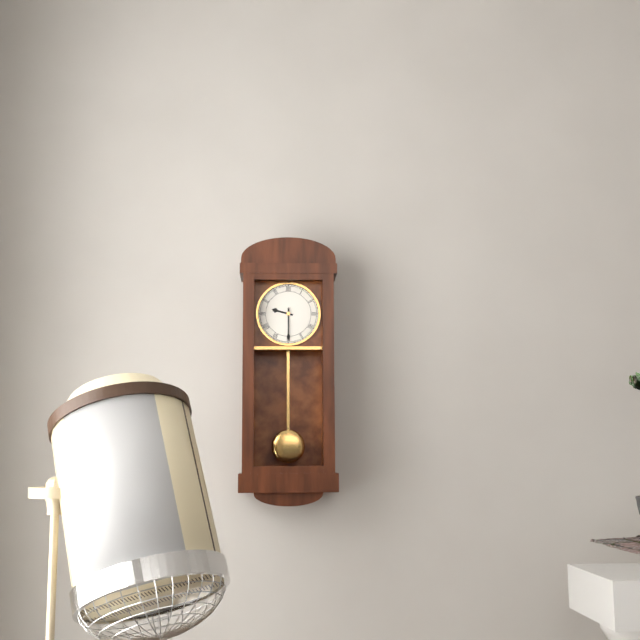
9:30
